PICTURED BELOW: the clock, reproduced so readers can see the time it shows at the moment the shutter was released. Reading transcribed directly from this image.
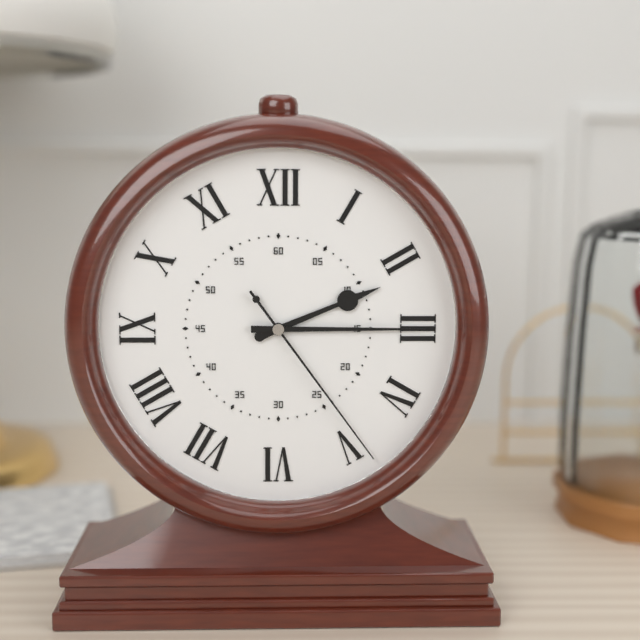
2:15:24
